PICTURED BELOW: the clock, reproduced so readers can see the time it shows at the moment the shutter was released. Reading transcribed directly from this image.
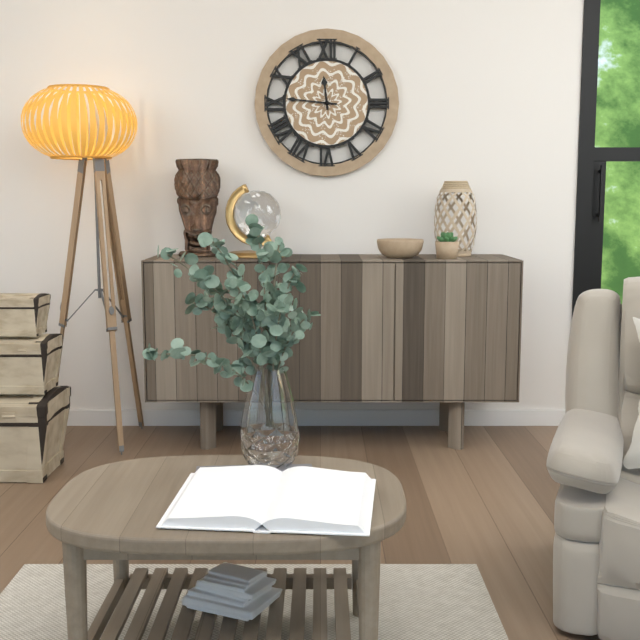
11:46
